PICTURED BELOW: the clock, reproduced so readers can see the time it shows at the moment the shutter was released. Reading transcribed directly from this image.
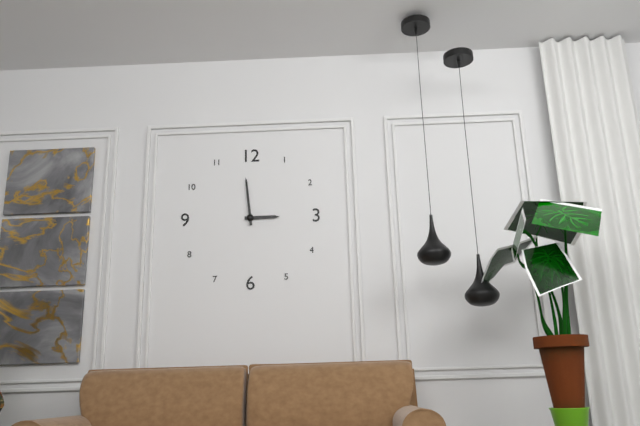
2:59
